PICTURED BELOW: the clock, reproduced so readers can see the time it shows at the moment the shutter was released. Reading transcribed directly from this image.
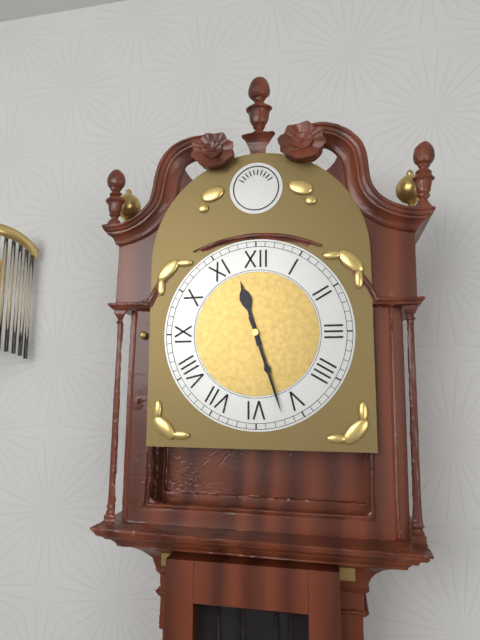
11:27
